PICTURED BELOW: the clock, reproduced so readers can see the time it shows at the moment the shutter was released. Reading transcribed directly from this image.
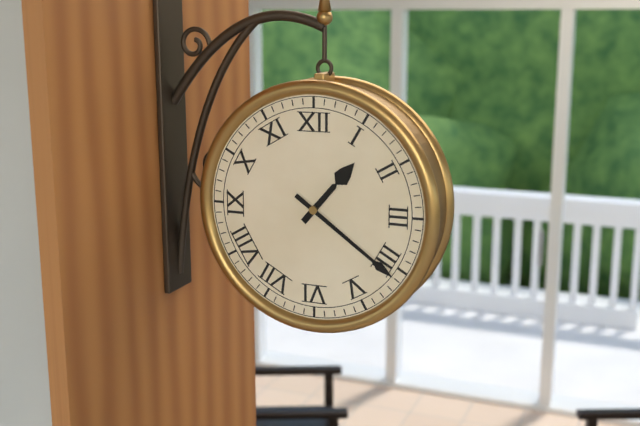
1:21
